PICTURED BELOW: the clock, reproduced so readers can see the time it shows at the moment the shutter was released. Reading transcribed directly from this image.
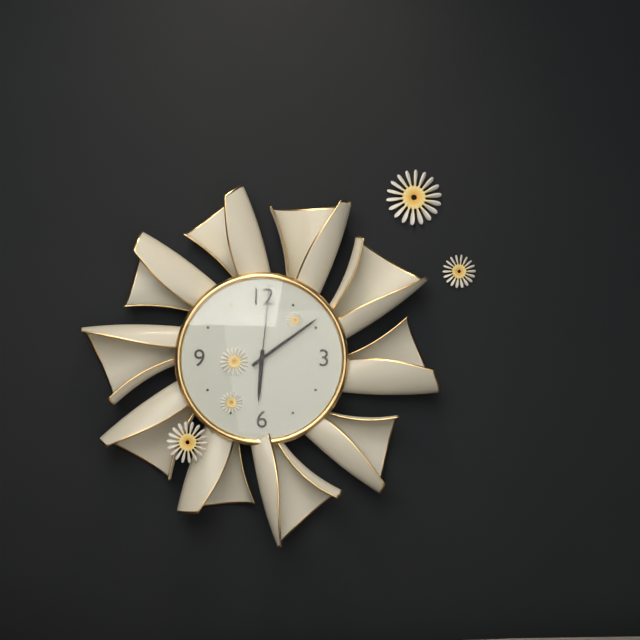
6:09:01
